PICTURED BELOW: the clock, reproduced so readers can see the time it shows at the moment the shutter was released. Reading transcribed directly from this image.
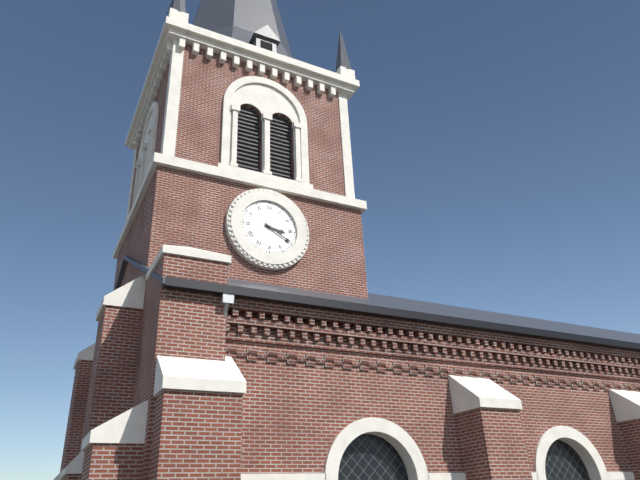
3:20
